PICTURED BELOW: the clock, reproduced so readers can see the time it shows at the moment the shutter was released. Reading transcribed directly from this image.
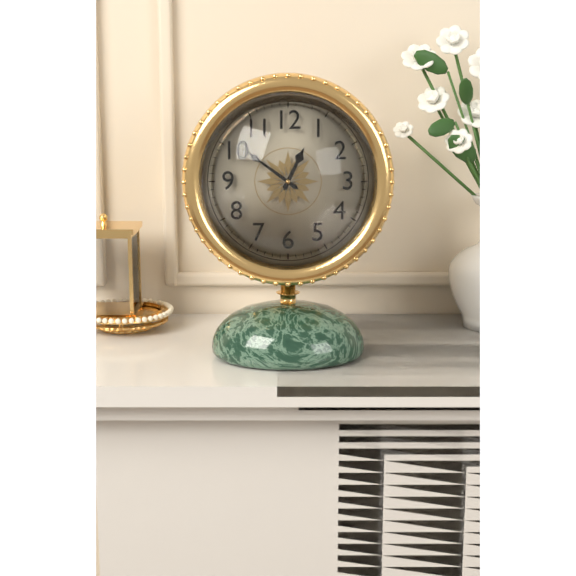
12:51
